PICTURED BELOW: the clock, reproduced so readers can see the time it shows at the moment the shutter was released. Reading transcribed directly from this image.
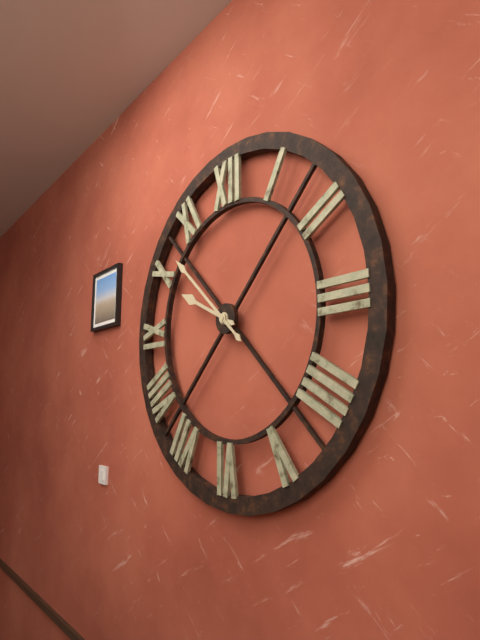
9:52
